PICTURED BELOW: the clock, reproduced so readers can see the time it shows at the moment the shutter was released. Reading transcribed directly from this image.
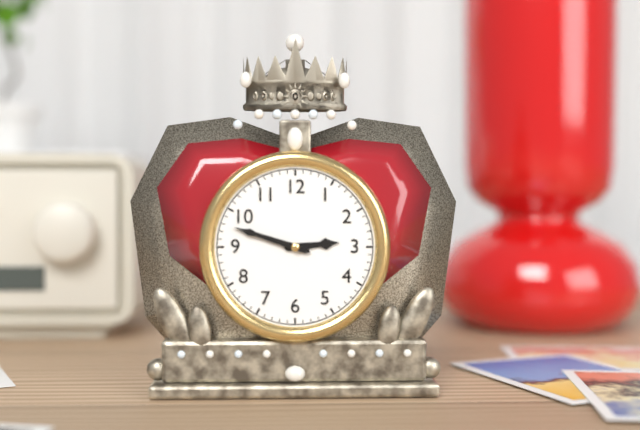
2:48
